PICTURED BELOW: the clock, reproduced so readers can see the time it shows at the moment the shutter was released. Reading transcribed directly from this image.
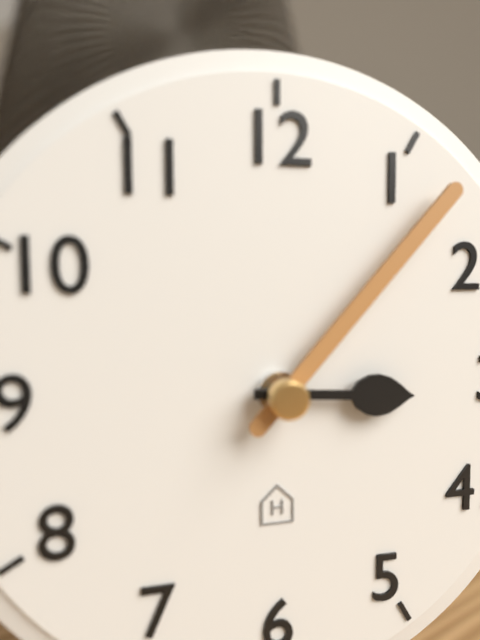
3:07
